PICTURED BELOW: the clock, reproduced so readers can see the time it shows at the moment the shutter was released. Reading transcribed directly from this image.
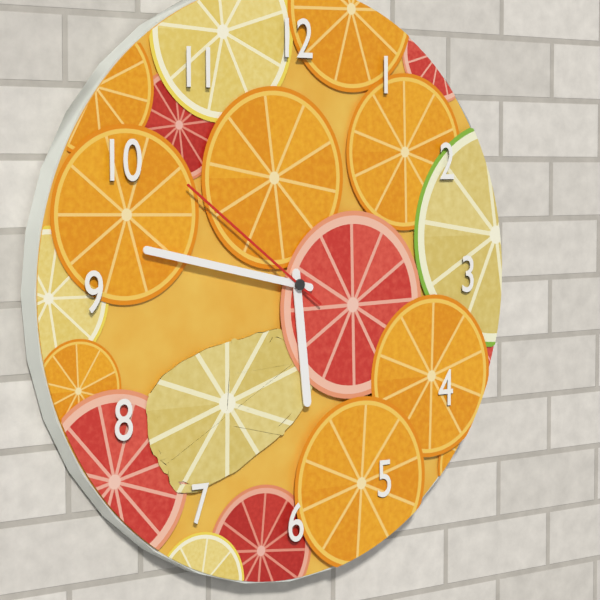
5:47:51
